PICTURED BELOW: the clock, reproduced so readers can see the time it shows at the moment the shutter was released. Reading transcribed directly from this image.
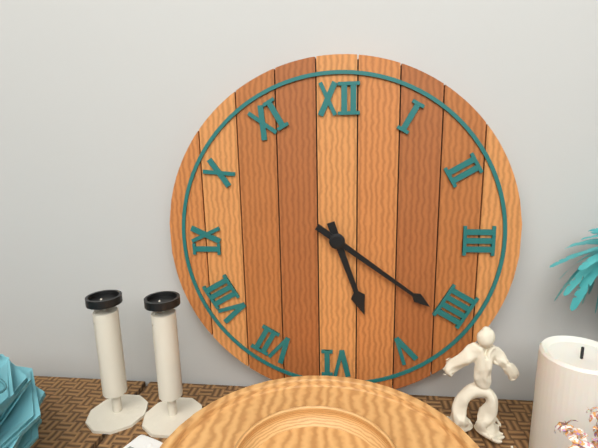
5:21
